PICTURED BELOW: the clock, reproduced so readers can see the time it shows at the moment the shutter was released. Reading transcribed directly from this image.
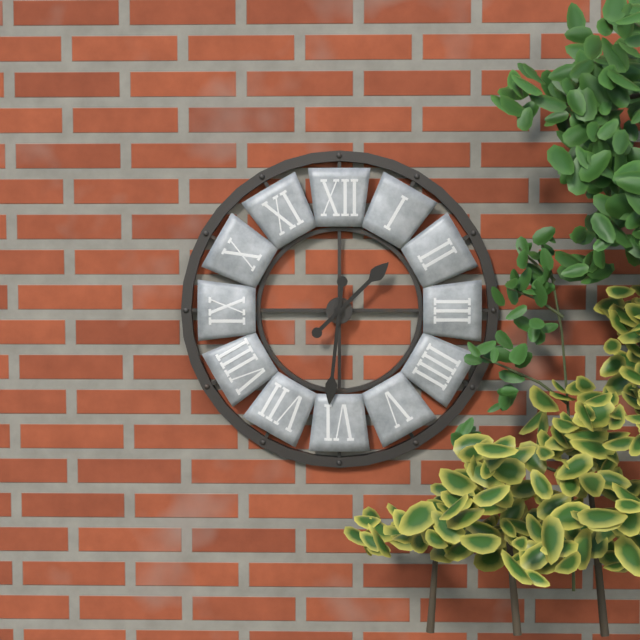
1:31
